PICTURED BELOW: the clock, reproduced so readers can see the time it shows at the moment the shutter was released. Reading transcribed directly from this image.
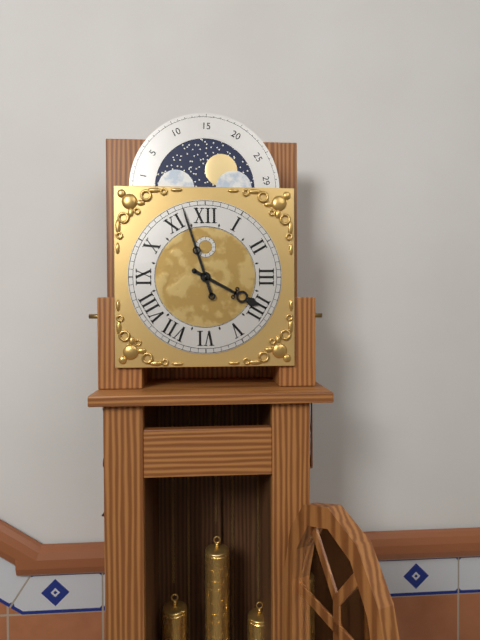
3:57
